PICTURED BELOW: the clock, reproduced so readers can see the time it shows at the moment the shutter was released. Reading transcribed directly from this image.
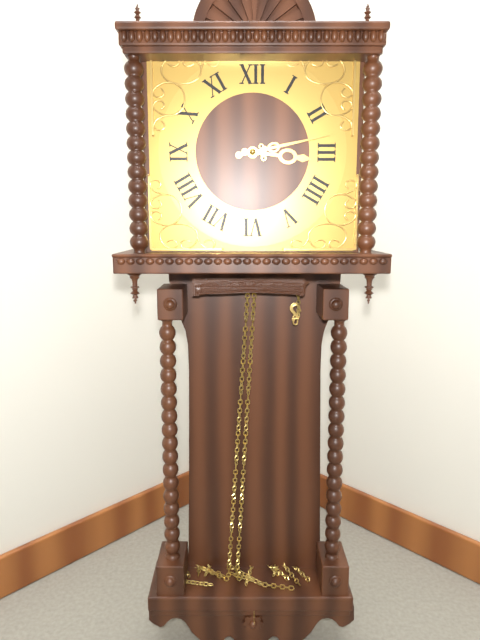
3:13
